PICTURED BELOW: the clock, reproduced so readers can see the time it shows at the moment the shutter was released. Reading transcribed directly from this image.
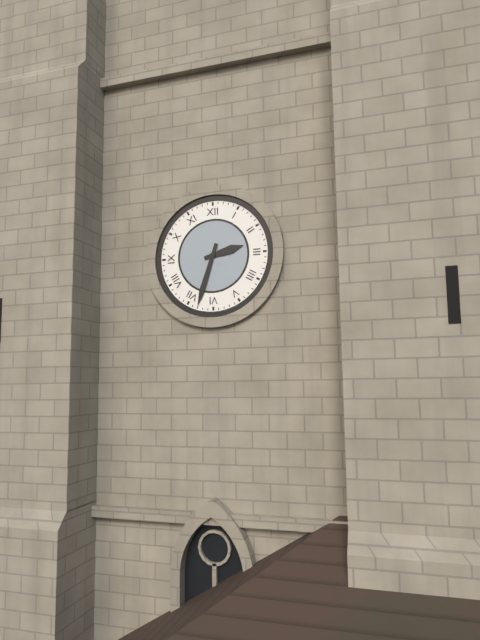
2:33
